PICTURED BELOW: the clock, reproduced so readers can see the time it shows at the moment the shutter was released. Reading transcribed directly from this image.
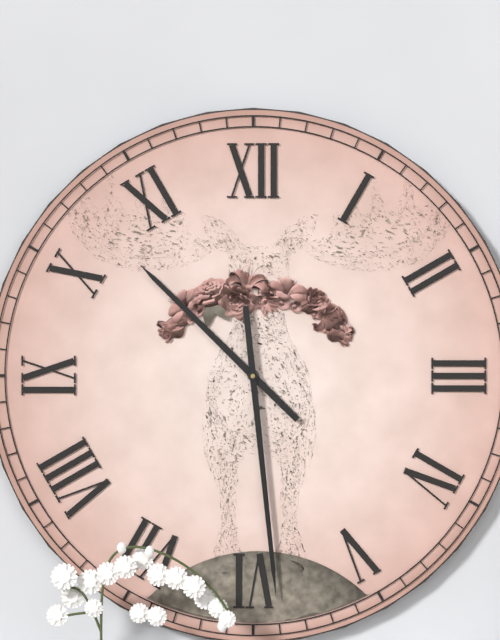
10:29
